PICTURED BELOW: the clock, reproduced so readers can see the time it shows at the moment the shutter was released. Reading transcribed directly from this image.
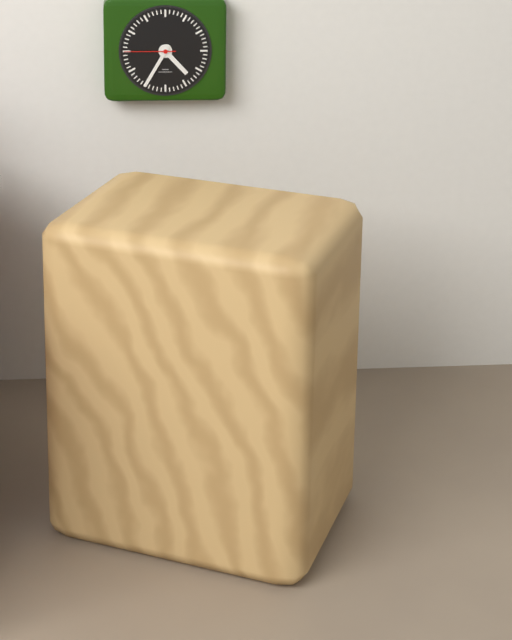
4:35:45
